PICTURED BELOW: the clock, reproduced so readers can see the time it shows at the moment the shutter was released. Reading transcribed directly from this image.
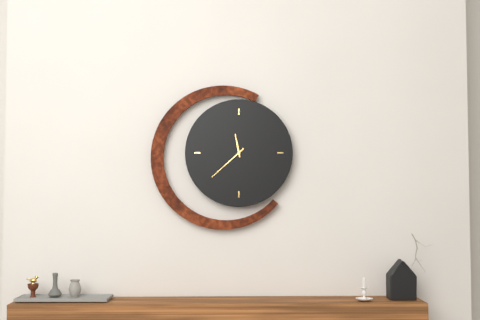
11:38
